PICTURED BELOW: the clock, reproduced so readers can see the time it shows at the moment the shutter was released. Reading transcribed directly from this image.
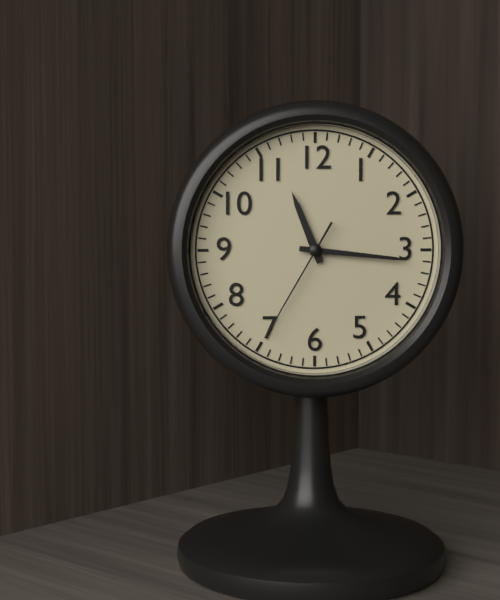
11:16:35
